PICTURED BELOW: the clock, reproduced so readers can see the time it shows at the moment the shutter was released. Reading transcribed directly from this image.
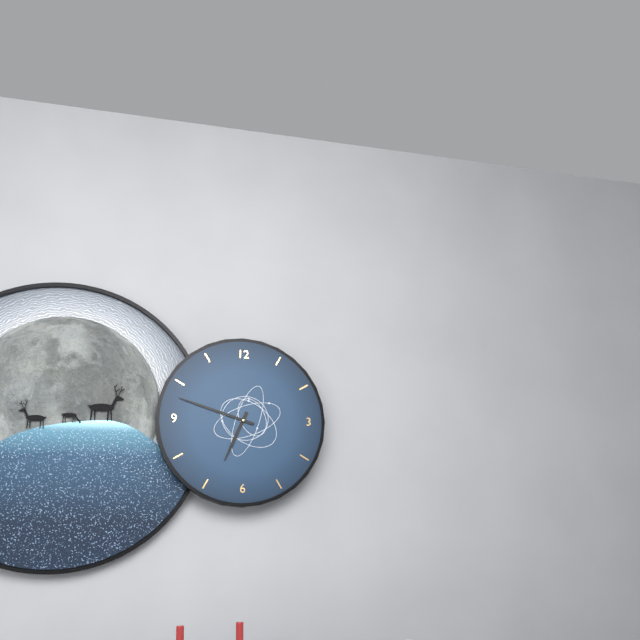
6:48
